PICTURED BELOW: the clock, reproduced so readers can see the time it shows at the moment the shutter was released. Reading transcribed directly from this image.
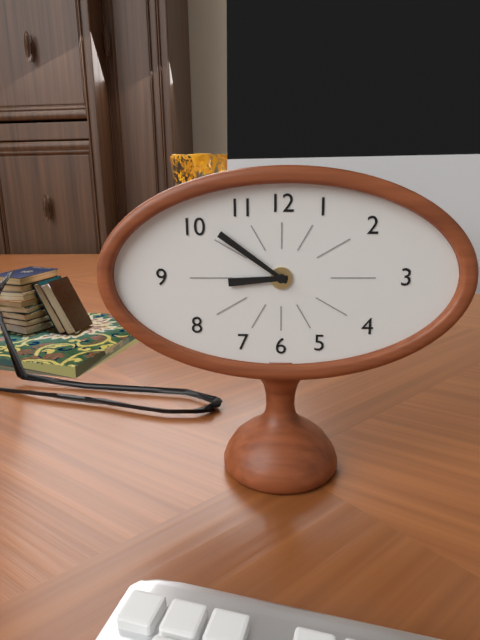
8:51
